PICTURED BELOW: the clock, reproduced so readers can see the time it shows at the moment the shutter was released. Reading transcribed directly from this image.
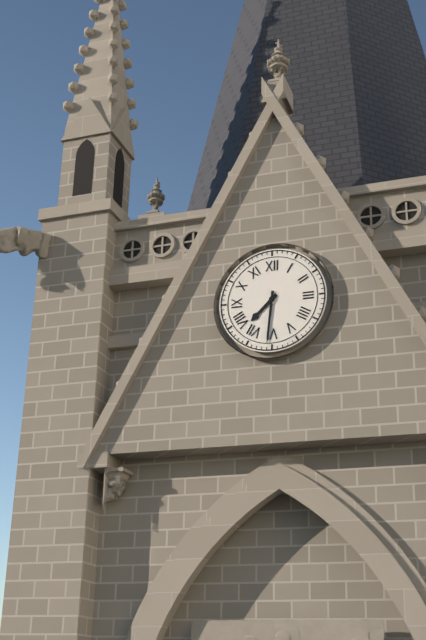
7:31
